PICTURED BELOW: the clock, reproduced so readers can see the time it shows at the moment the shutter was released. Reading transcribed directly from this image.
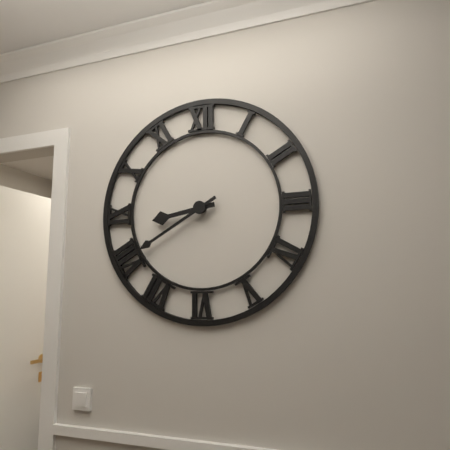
8:40
